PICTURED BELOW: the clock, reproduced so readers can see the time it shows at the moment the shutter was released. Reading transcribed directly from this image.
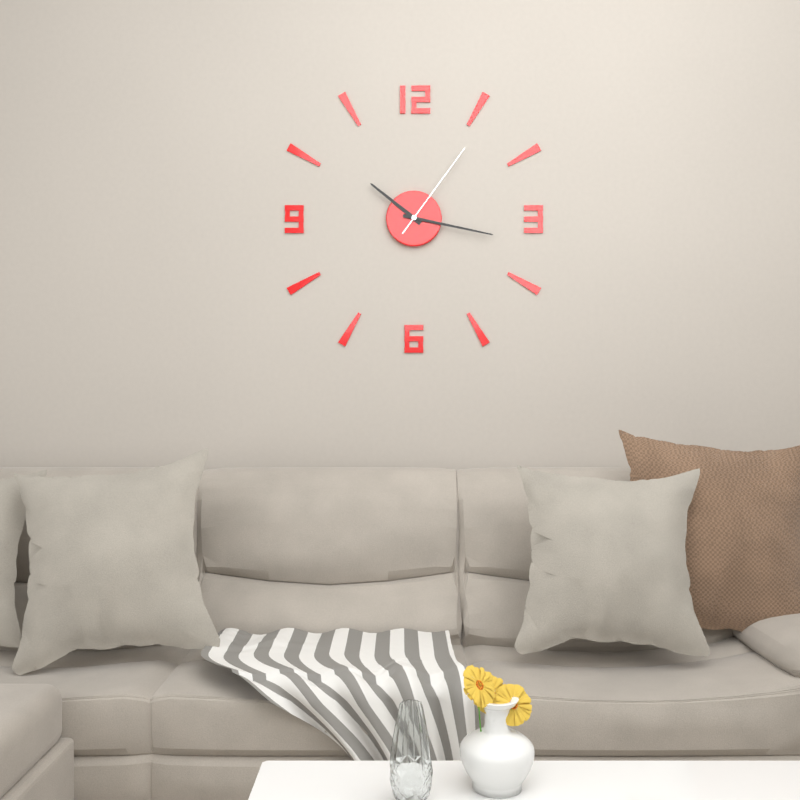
10:17:06
